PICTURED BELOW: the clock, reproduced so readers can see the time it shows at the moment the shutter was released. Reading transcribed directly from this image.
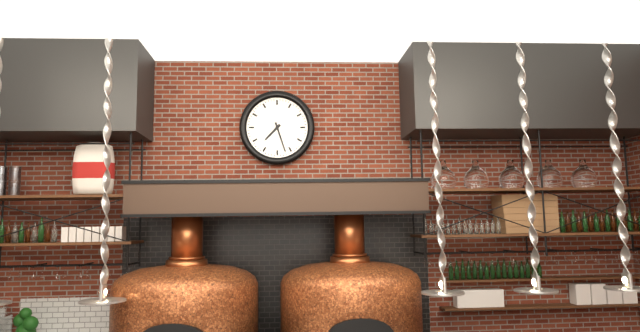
7:27
